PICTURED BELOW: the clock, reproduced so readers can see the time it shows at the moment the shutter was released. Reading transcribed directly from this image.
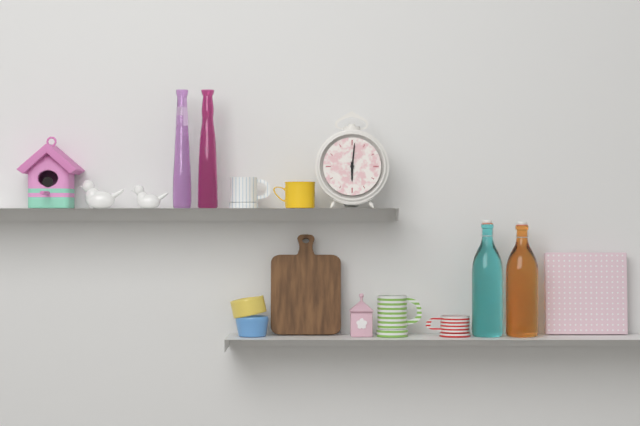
6:01
